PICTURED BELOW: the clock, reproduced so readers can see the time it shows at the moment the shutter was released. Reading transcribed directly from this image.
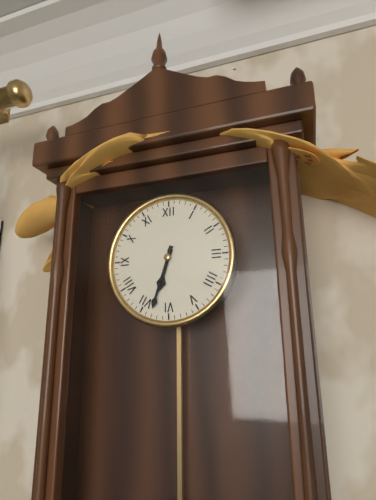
6:33
